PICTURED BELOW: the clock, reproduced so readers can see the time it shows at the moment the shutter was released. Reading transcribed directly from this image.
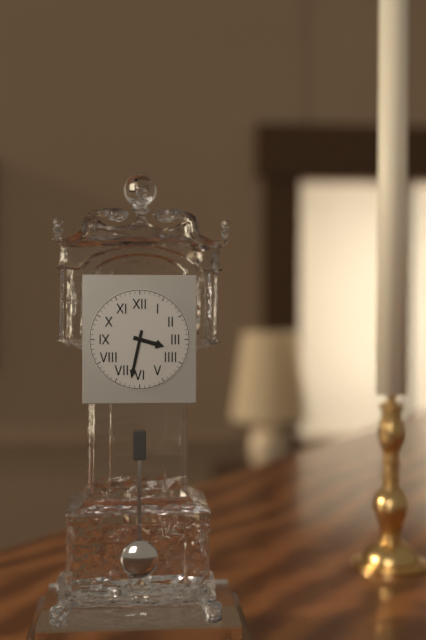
3:32
